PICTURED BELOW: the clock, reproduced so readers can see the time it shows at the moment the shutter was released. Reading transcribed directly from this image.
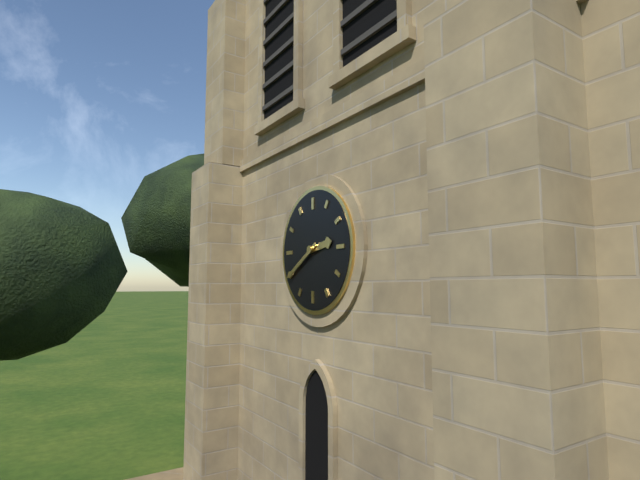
2:40
